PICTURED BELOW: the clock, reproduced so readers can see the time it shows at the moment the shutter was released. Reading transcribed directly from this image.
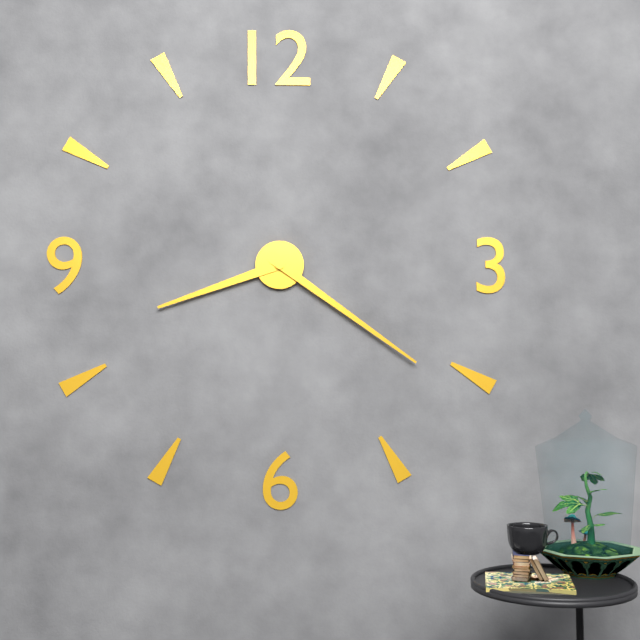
8:21
